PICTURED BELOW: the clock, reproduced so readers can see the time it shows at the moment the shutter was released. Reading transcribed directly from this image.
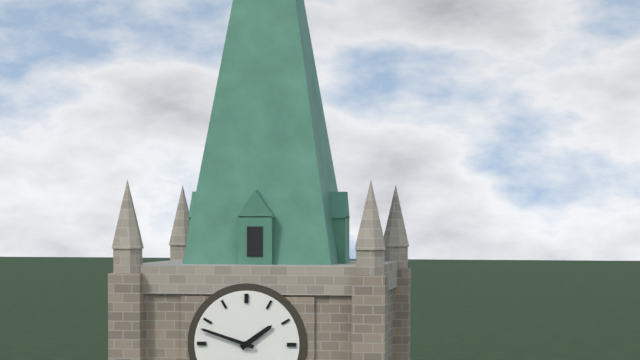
1:48
